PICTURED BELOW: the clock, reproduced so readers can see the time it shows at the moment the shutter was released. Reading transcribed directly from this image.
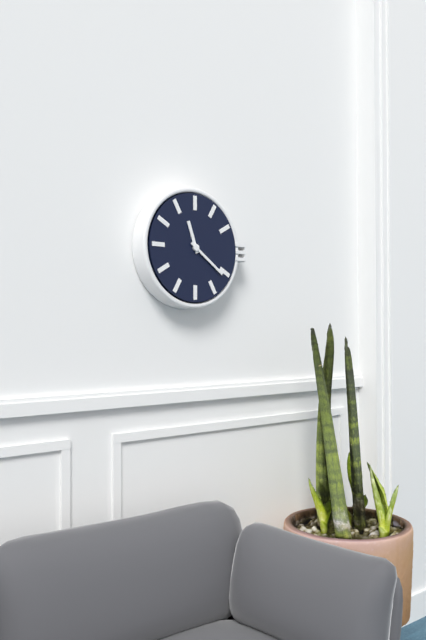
11:21
